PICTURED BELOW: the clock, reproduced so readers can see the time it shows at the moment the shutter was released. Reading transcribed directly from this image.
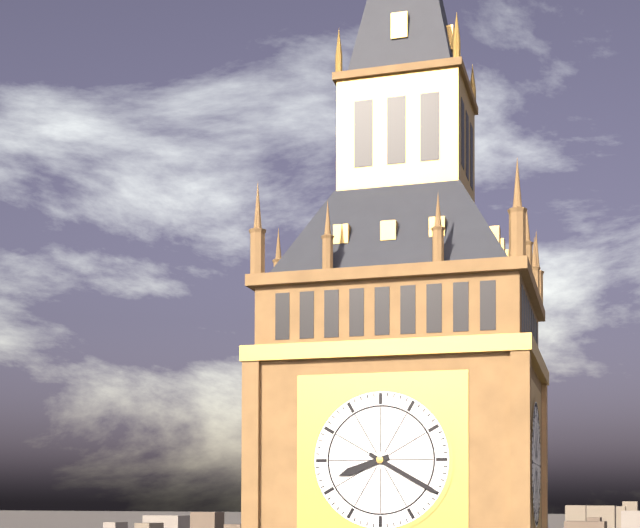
8:20
